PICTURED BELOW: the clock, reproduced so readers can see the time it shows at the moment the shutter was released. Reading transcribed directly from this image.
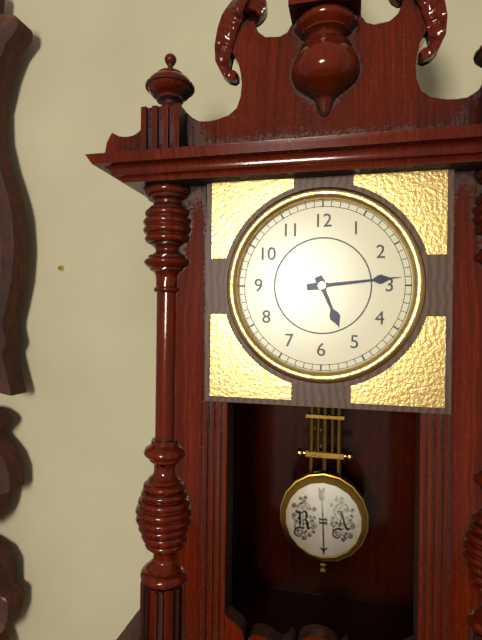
5:14
